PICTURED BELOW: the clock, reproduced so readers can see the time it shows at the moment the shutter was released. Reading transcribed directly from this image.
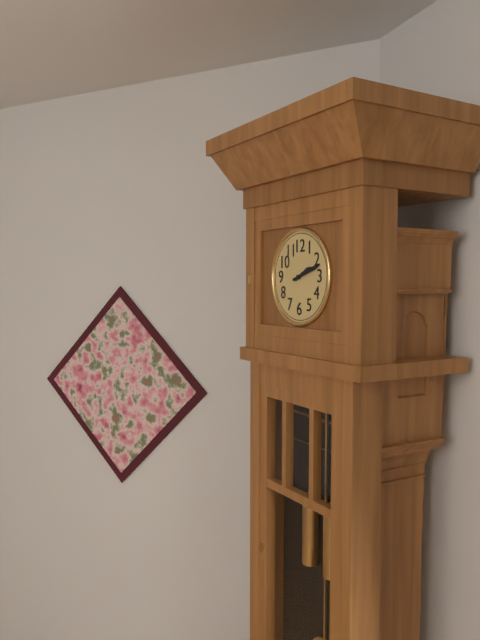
2:12
